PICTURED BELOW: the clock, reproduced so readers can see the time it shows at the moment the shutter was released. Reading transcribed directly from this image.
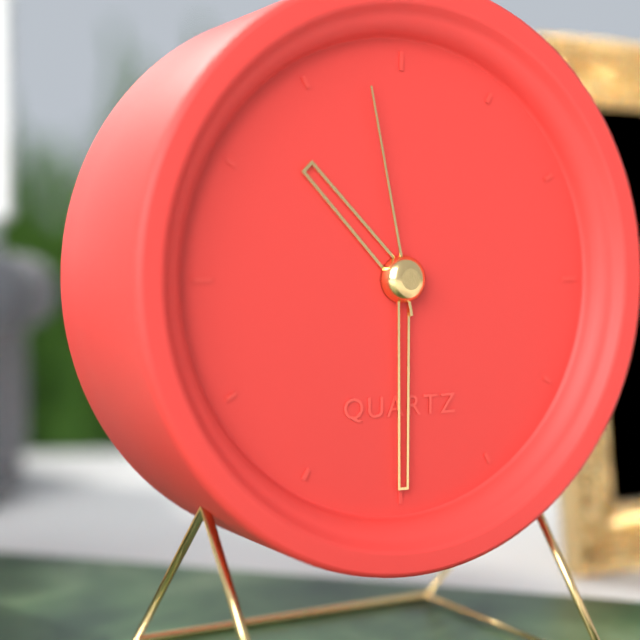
10:30:58
